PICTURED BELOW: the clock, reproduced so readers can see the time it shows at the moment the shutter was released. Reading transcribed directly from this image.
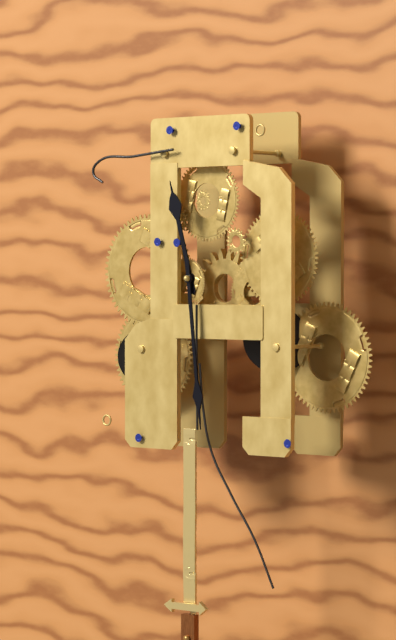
11:29
